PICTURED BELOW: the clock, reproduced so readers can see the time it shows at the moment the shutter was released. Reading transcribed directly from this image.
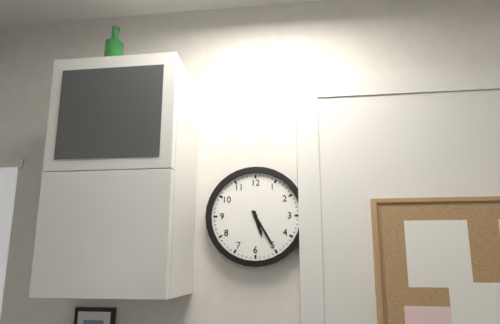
5:25
